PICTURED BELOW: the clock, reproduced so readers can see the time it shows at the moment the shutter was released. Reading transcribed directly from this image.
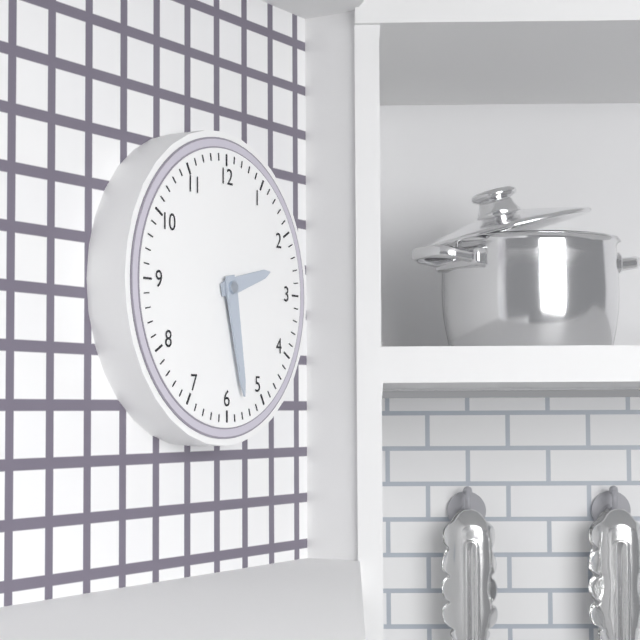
2:28
